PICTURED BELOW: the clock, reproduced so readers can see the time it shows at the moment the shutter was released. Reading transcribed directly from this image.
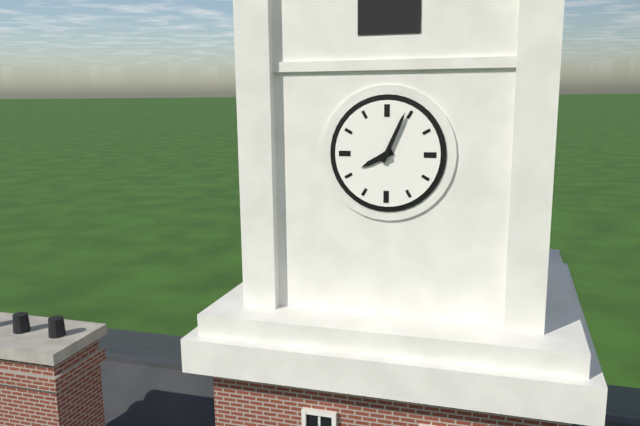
8:04
